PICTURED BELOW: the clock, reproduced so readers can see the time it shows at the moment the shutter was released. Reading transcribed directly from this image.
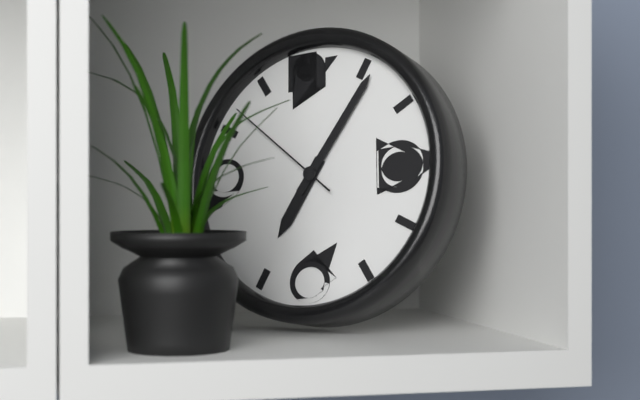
7:06:52
